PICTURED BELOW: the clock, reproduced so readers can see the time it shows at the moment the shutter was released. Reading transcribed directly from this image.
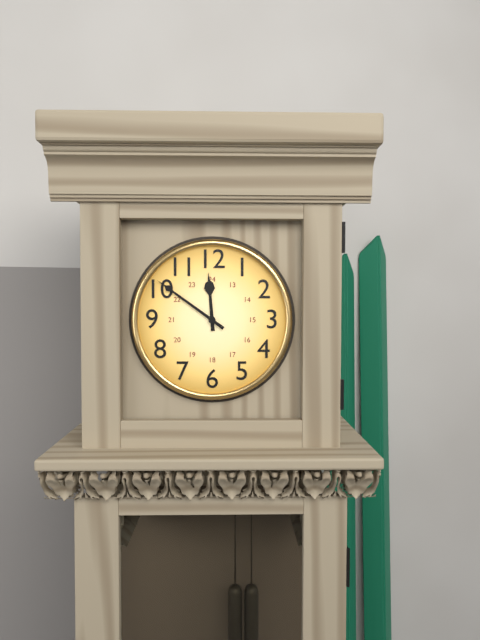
11:51
